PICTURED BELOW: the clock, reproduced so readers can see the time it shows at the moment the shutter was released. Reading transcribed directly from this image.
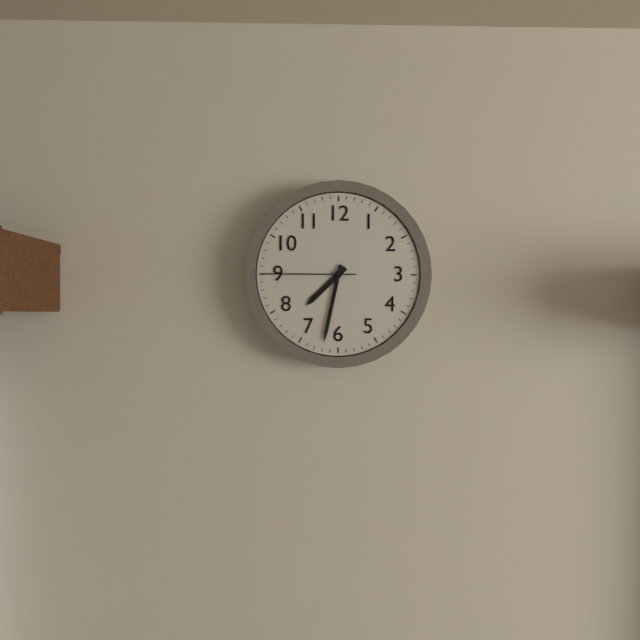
7:32:45
